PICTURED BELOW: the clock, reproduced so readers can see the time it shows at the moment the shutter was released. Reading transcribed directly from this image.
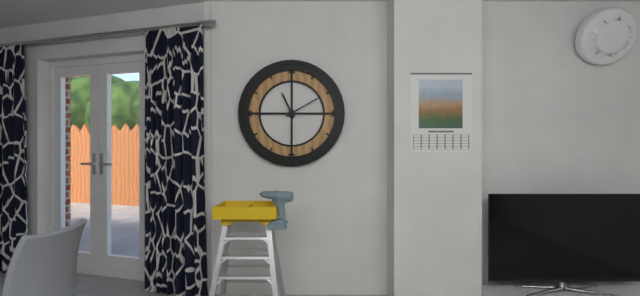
11:10
